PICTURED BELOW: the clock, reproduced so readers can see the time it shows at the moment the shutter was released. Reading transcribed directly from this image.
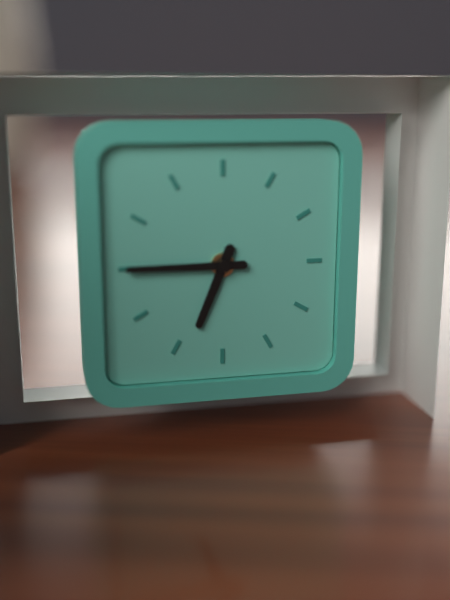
6:45
